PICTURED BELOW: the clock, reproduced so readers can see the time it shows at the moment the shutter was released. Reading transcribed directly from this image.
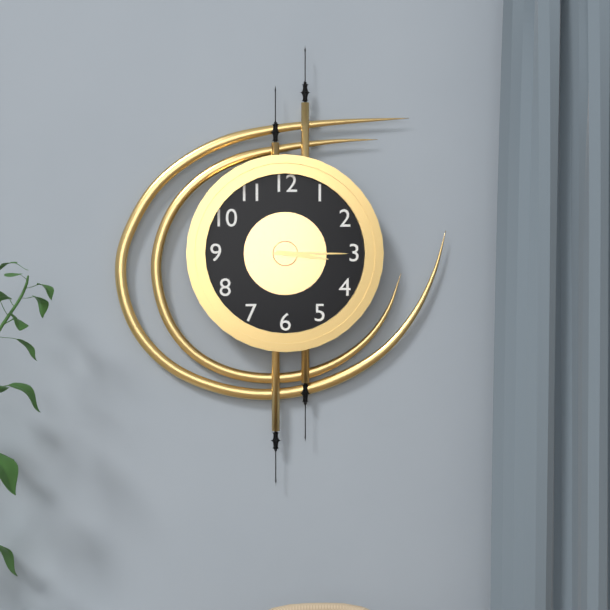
3:15
